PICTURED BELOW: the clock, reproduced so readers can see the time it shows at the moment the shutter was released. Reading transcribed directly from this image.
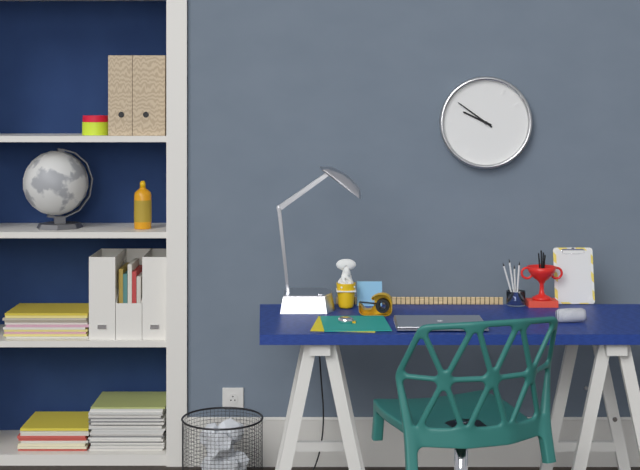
9:51
